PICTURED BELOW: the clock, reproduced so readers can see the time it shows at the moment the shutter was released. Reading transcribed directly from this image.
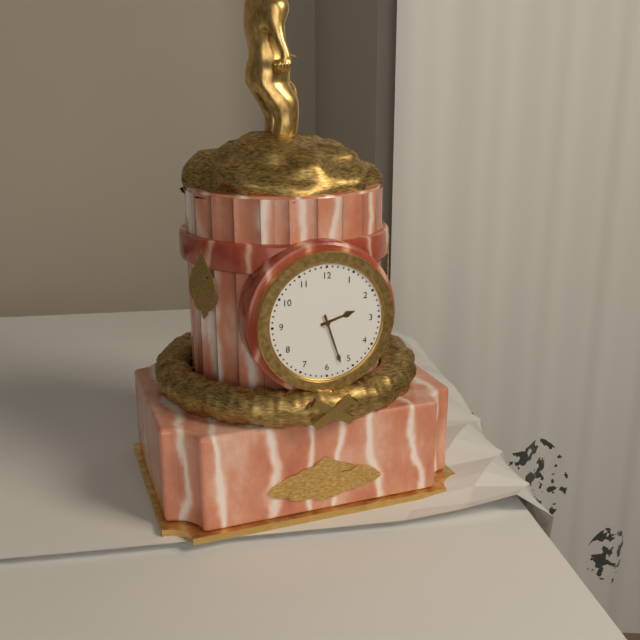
2:27
